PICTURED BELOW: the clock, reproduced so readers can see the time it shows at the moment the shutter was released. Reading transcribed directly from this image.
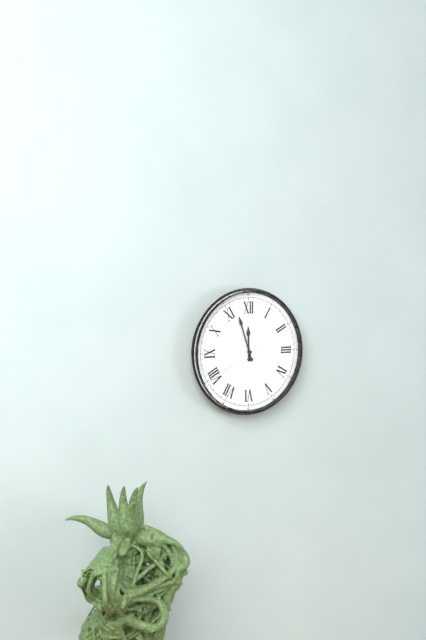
11:57:40
